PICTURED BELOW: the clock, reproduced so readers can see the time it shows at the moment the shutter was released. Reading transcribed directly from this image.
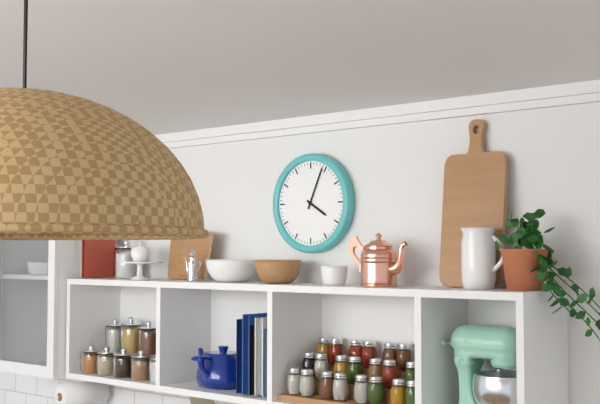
4:04
